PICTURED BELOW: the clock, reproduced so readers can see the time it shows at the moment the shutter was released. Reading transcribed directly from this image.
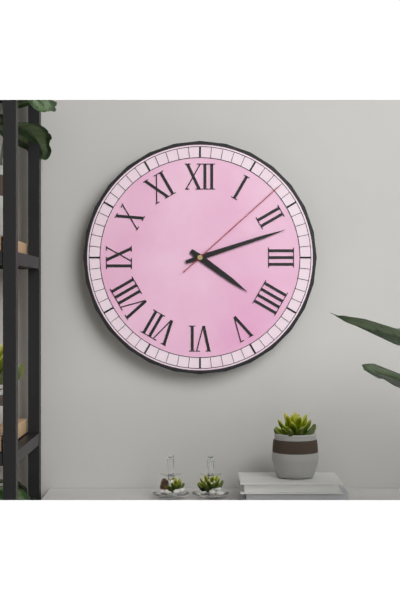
4:12:08
